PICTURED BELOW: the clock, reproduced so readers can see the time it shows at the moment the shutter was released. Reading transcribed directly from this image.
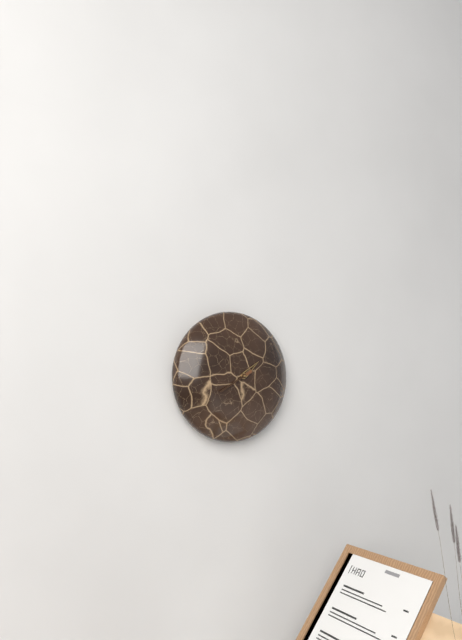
1:40
